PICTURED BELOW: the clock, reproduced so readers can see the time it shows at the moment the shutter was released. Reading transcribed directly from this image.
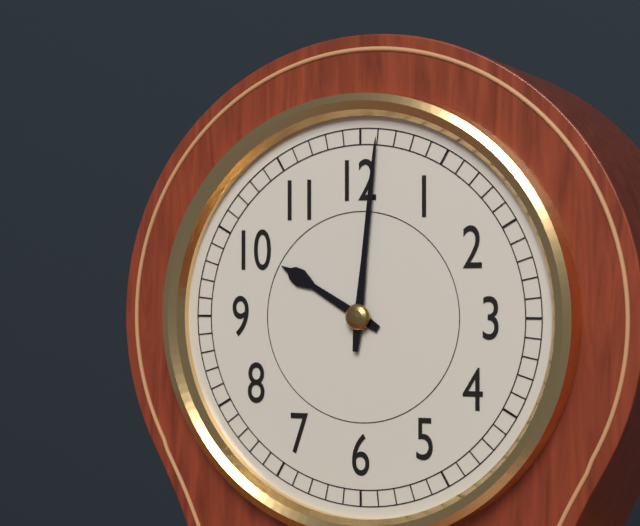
10:01
